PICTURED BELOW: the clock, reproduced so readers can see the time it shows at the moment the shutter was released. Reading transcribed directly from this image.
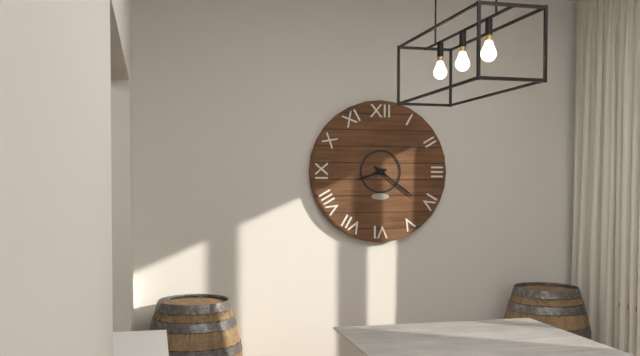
8:21
